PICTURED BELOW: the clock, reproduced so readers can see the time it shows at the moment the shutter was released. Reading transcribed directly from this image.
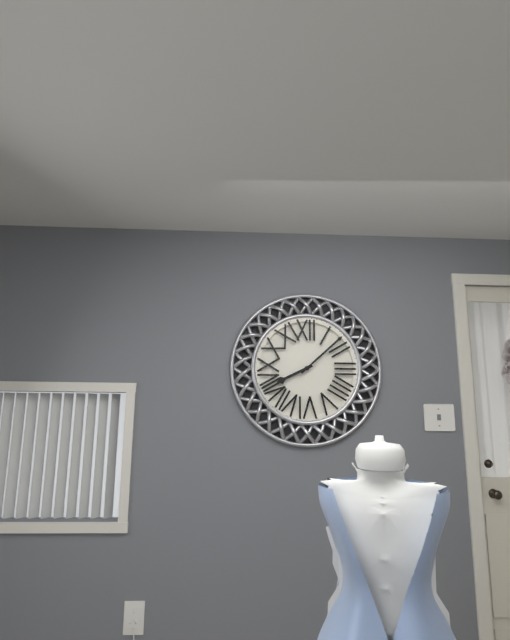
8:08
